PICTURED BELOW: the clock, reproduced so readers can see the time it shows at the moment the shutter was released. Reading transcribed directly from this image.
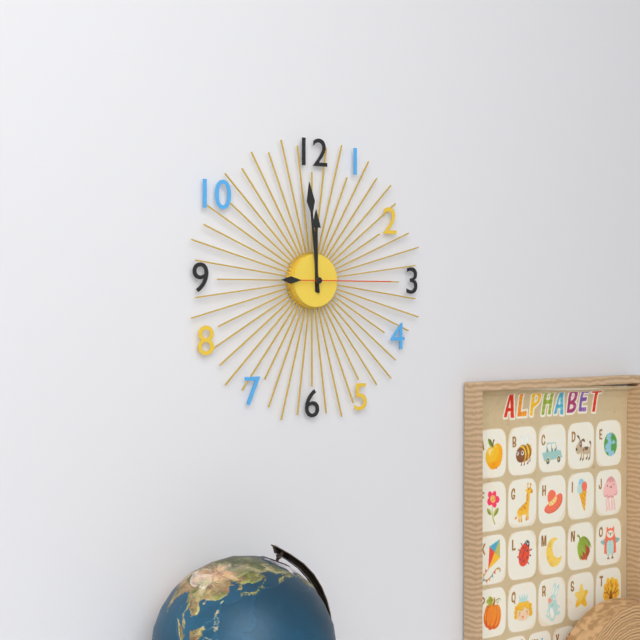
11:59:15
